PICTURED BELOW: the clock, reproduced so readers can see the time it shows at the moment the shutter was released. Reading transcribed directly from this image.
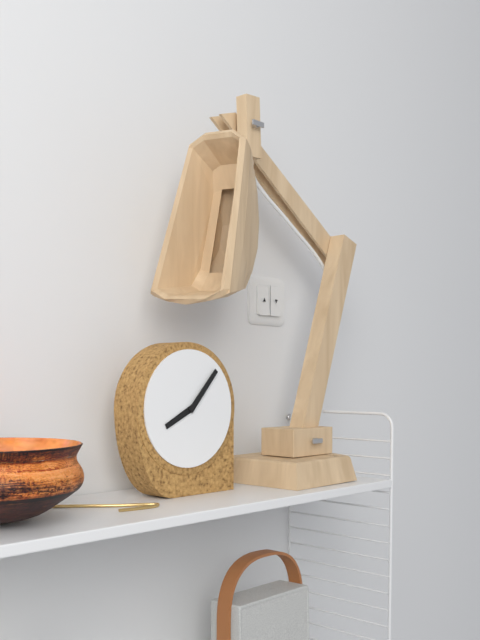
8:07
